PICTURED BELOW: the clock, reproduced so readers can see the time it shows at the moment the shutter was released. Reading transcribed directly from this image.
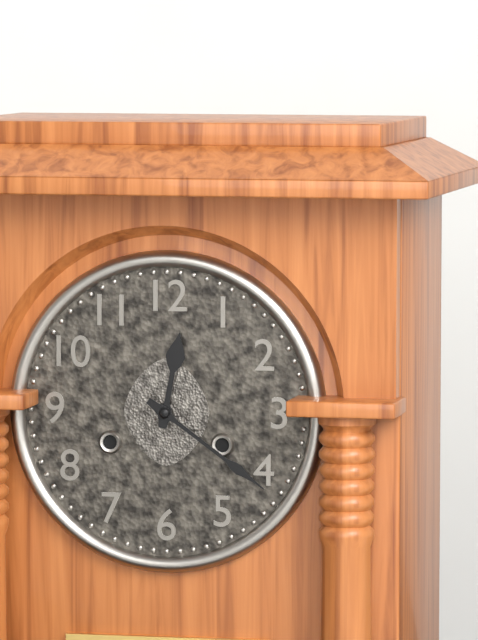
12:21
